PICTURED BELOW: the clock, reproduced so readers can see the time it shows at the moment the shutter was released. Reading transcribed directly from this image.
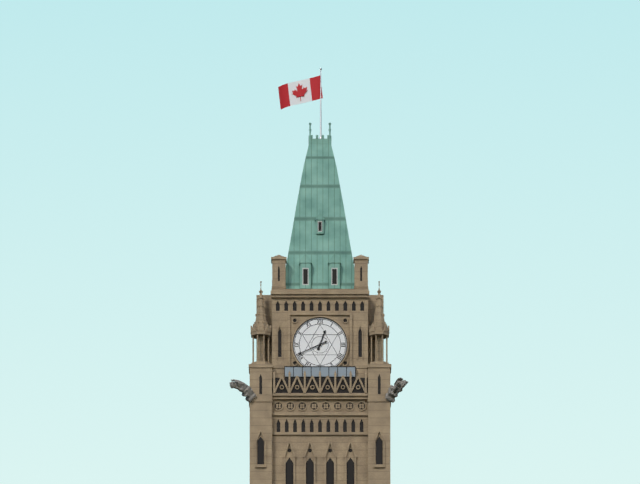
12:41
